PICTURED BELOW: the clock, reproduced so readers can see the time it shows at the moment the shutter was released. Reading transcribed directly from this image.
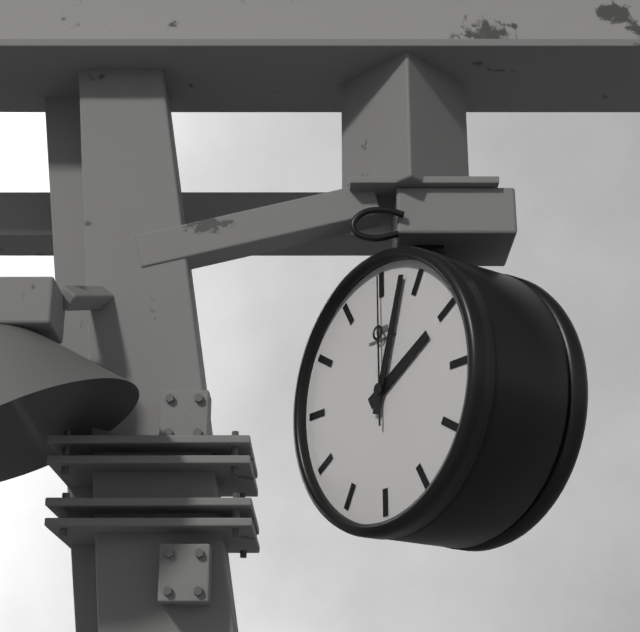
2:03:00
